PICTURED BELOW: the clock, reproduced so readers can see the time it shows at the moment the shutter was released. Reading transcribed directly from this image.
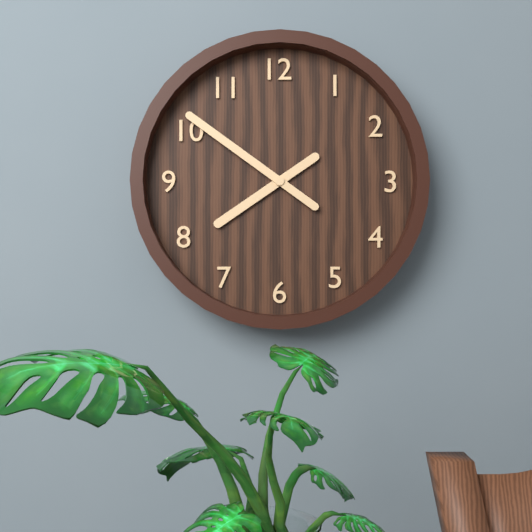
7:51
